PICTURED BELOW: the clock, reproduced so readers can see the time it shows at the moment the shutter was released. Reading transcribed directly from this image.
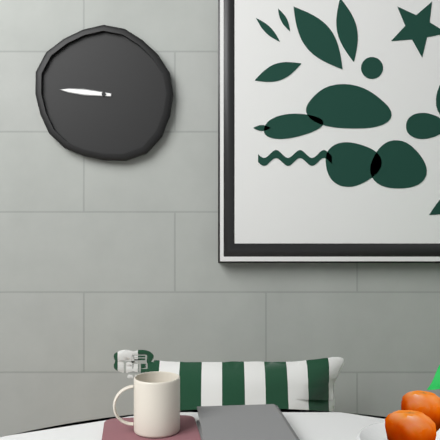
10:46
